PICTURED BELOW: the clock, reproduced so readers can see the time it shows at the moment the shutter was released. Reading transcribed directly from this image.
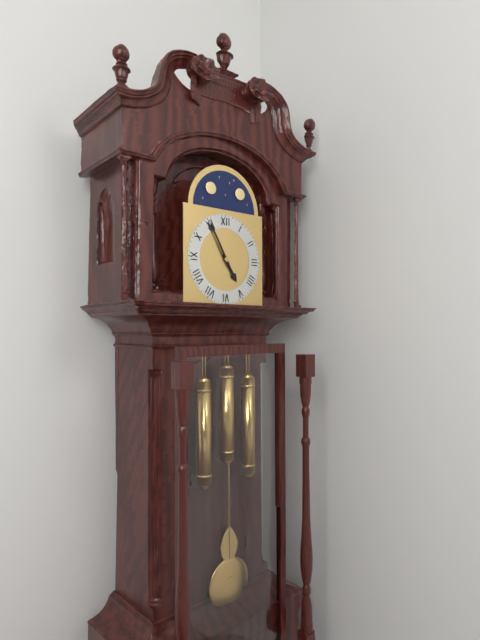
4:55
